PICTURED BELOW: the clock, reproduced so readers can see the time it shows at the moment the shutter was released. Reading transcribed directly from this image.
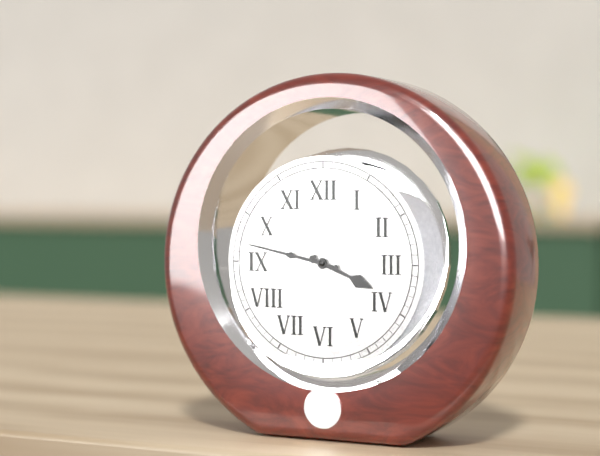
3:47
